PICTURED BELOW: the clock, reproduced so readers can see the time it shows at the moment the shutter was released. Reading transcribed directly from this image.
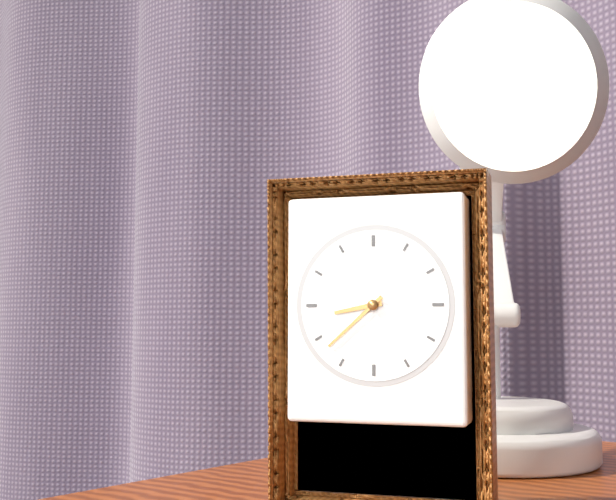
8:38
